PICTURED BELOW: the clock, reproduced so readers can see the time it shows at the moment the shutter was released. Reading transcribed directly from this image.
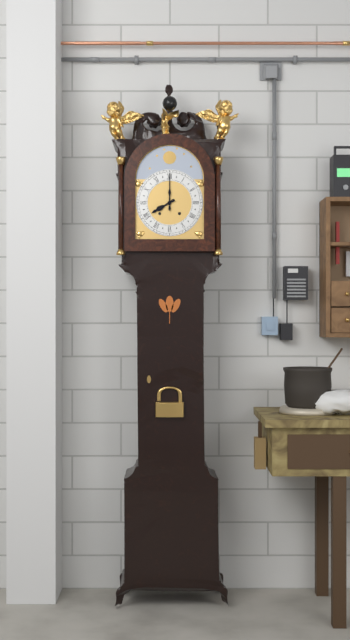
8:00
